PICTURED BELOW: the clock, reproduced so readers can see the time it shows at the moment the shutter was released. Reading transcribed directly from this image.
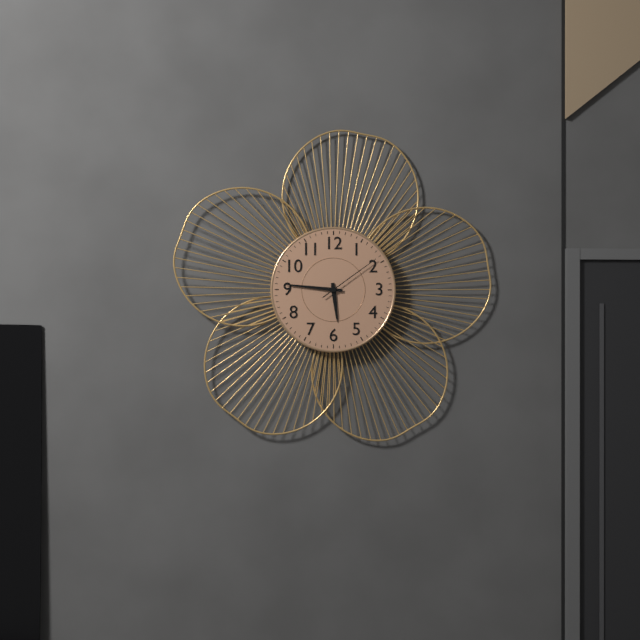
5:46:09
